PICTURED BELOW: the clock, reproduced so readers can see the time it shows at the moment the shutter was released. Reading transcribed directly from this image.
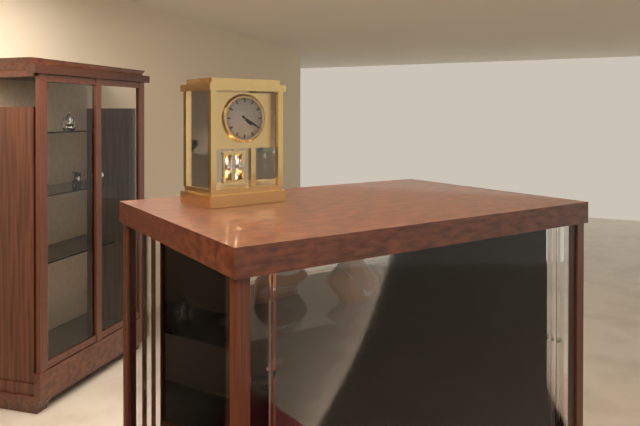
4:20
